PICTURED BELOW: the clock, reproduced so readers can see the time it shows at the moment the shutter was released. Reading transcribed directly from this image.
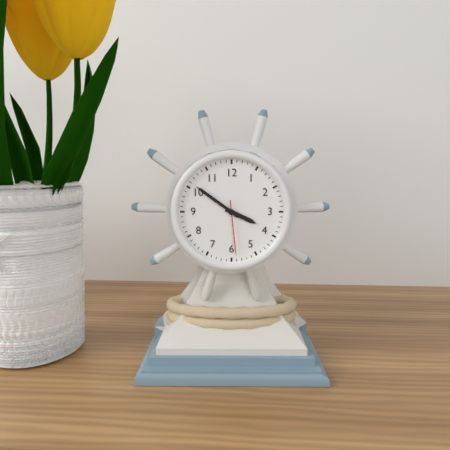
3:51:29
